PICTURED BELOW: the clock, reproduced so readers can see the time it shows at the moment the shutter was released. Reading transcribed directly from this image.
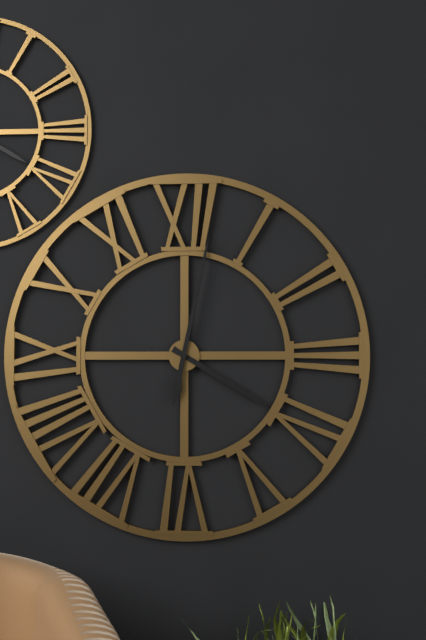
4:02
